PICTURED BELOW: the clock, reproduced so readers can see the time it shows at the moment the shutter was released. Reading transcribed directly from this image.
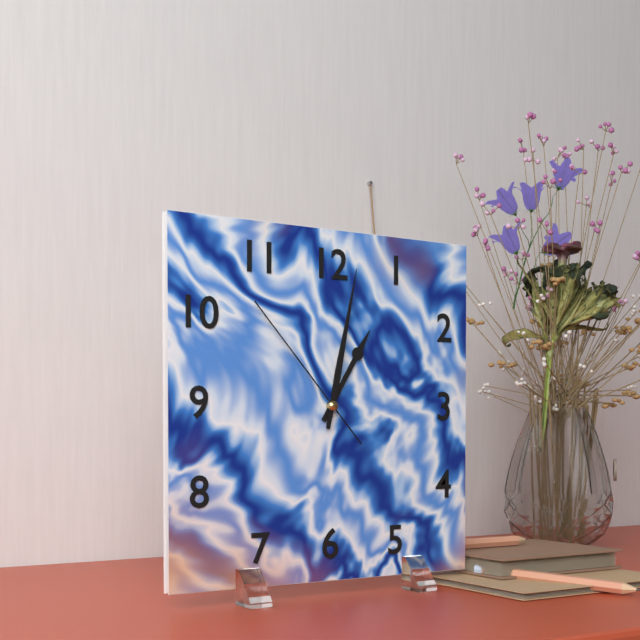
1:02:53
